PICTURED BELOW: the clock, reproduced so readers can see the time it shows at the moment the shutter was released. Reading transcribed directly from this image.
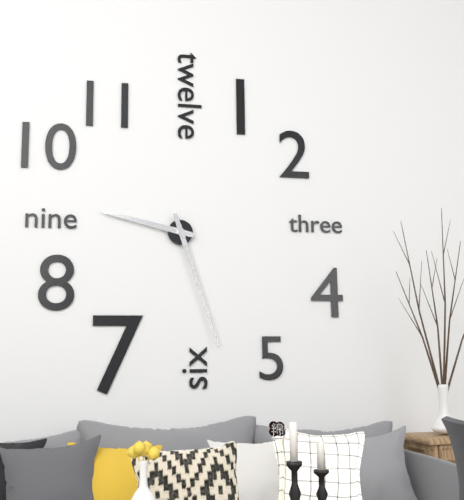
9:27
